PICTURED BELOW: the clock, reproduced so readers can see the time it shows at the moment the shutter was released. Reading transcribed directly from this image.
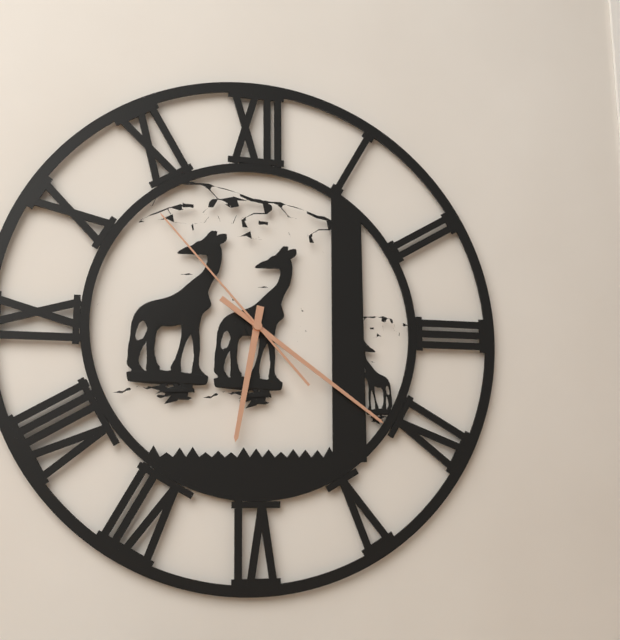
6:21:53
